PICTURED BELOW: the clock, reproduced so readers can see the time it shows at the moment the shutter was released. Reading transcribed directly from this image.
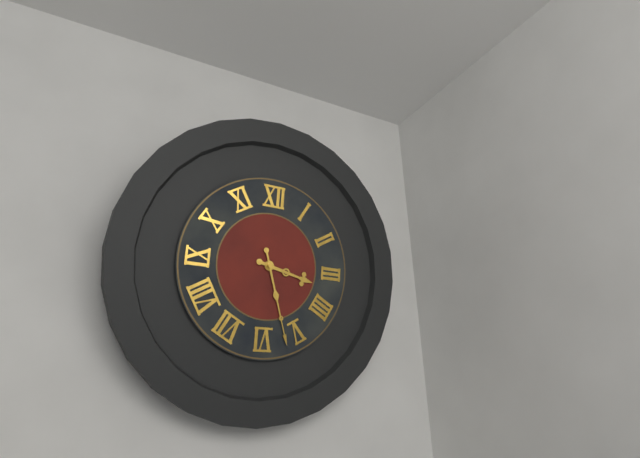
3:27
